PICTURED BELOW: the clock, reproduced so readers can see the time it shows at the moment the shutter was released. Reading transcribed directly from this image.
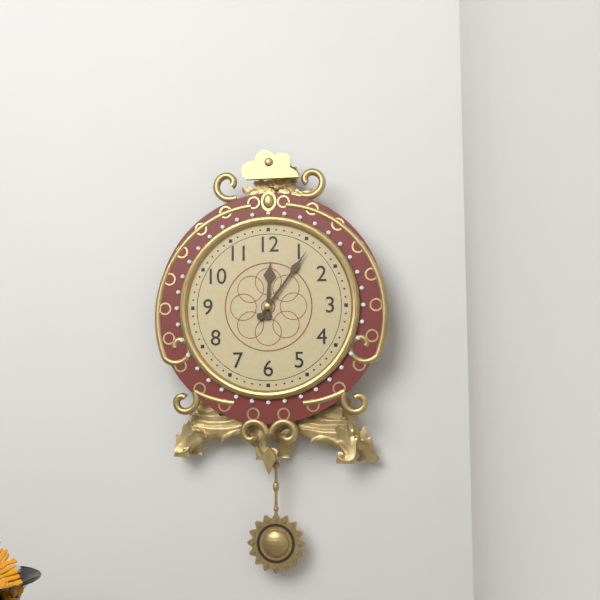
12:06
